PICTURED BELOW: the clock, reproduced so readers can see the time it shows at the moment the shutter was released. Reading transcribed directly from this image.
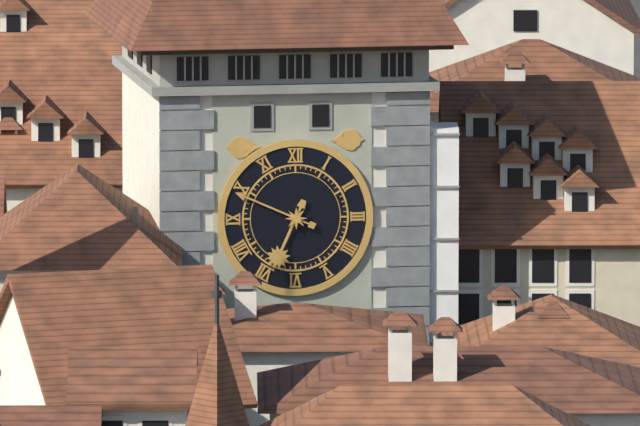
6:49
